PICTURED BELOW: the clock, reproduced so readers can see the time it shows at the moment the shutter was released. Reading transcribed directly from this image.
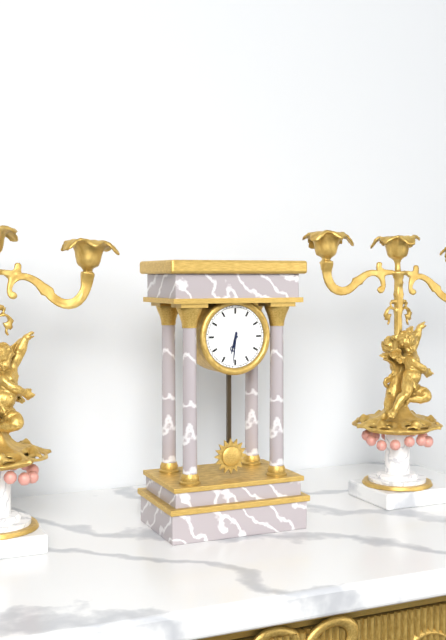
6:31
